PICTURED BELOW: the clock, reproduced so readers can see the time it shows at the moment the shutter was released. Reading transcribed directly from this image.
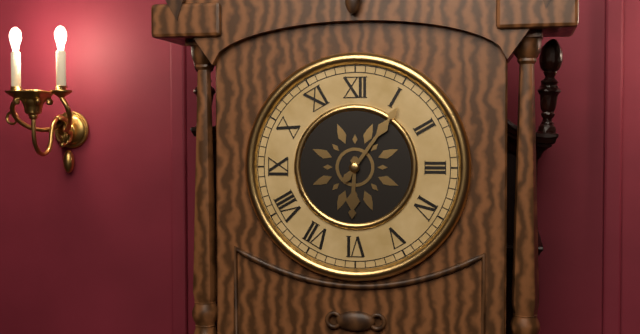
6:06
